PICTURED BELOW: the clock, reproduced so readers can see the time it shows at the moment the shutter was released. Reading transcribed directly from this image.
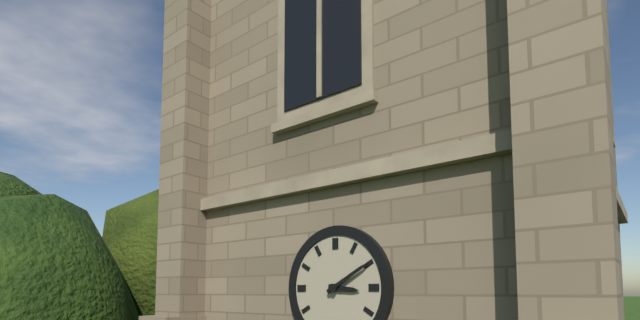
3:10
